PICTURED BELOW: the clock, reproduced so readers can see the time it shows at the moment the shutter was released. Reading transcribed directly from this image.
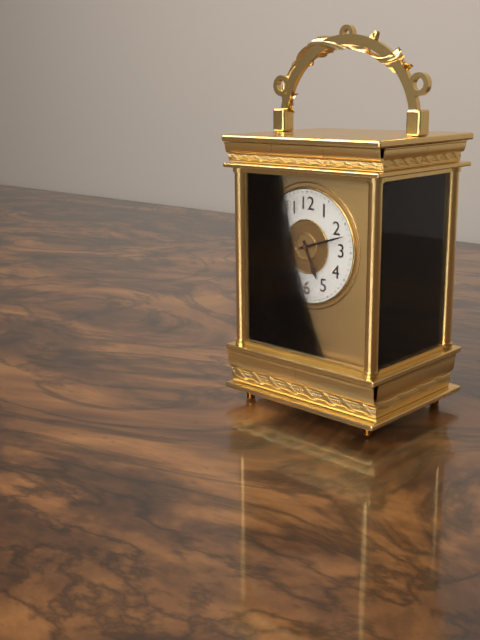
5:12
